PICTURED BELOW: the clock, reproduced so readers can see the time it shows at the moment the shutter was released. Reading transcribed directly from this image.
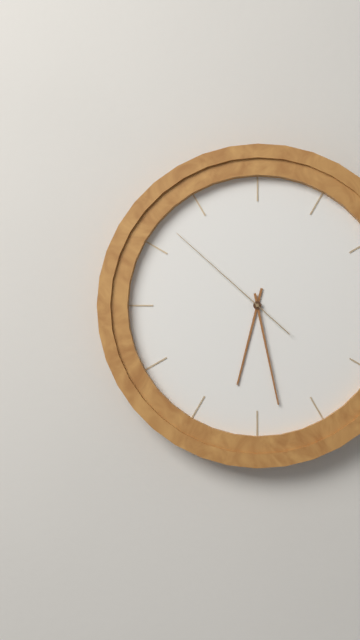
6:28:52
